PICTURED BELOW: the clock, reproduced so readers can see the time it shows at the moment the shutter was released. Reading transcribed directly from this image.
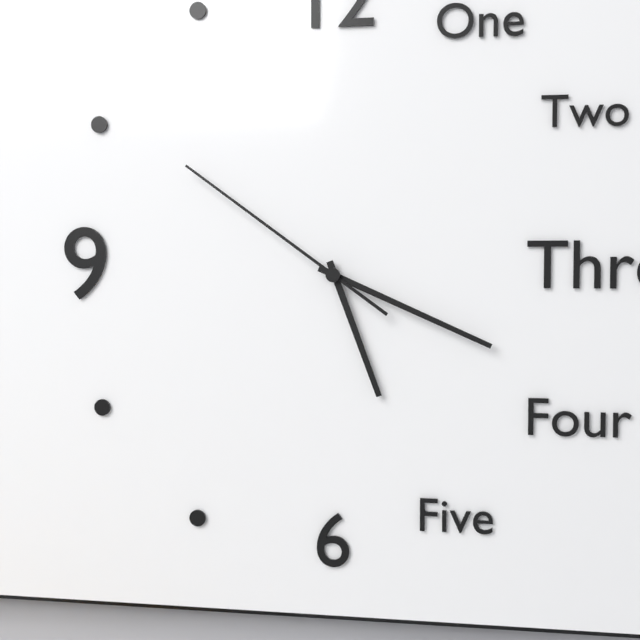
5:19:51
